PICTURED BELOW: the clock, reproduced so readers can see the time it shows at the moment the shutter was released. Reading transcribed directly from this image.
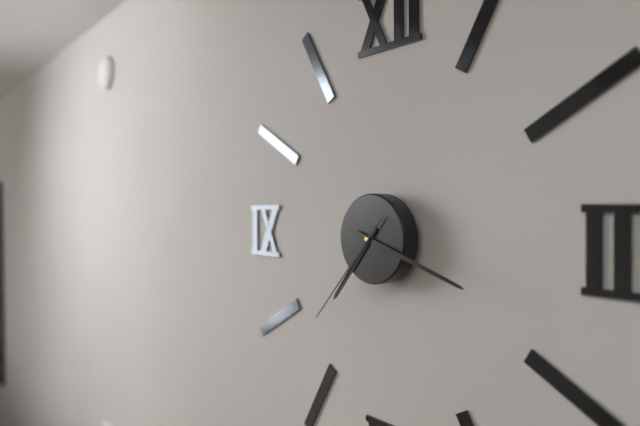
7:18:37
